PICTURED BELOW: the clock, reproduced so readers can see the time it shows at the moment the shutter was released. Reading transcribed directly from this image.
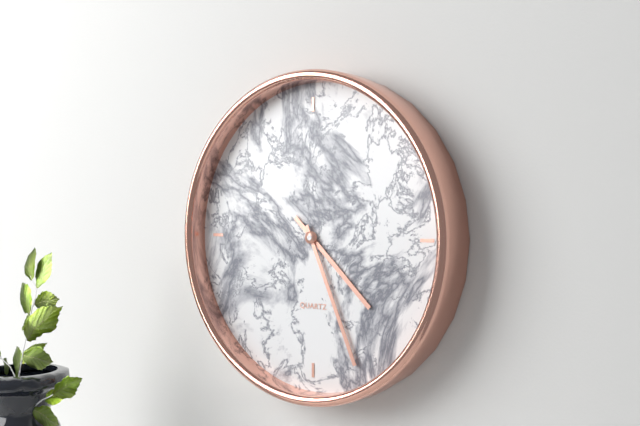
4:26
